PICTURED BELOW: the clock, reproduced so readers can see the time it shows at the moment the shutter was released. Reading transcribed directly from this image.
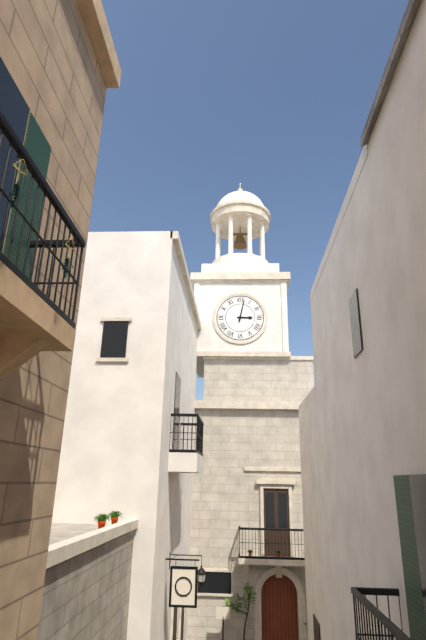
3:02
